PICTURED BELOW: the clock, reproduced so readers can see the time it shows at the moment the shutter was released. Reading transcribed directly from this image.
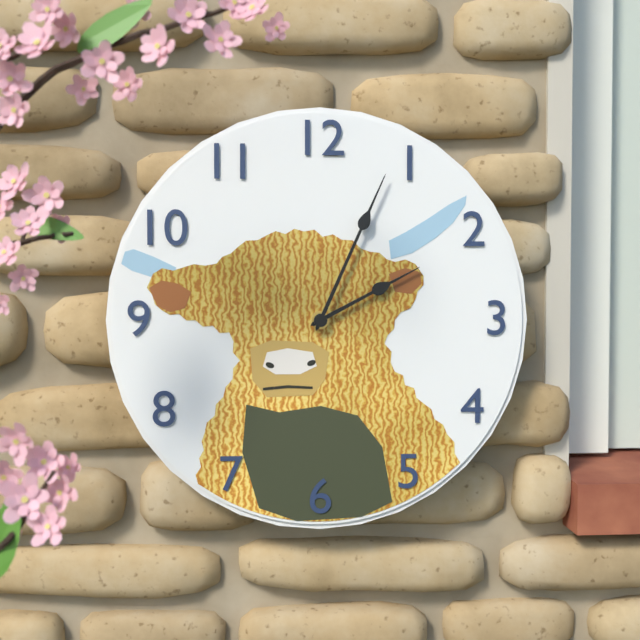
2:04
